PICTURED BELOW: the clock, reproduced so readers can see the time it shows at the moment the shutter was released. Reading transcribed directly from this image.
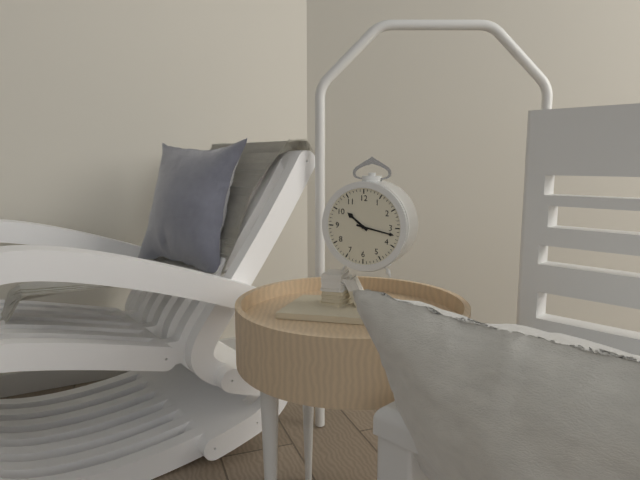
10:17
